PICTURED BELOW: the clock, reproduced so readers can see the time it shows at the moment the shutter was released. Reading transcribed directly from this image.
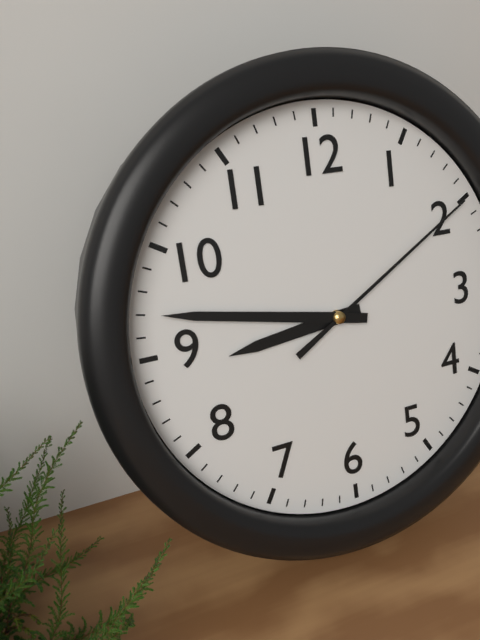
8:47:10
